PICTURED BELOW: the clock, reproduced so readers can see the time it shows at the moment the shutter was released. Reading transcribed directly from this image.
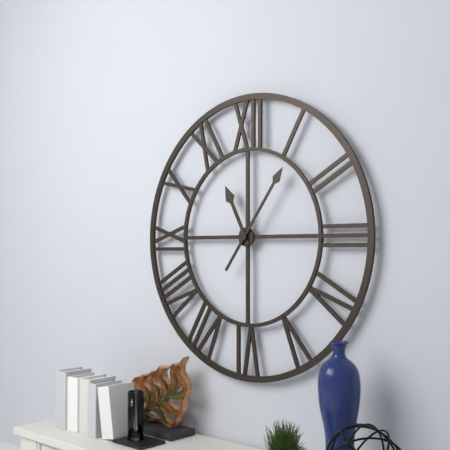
11:06
